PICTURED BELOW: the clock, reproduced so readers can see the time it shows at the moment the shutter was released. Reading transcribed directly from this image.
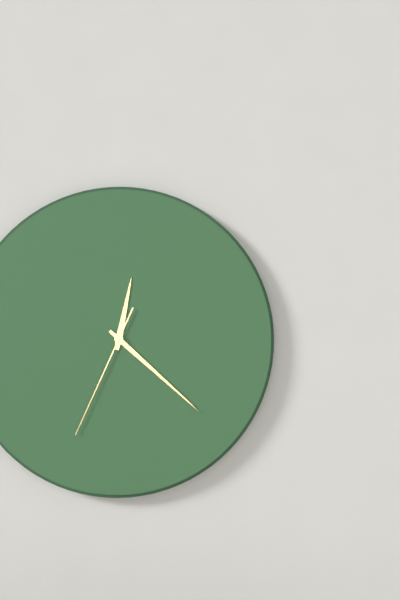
12:22:34
